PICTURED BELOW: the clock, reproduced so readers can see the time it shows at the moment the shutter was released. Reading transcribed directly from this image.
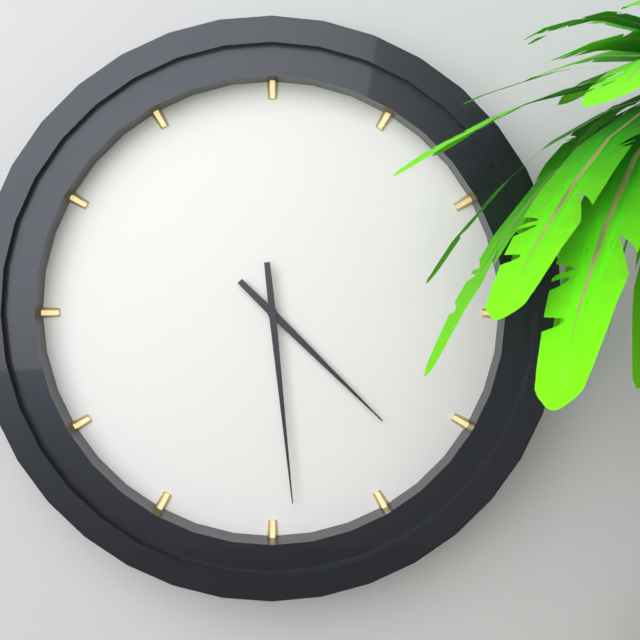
4:29
